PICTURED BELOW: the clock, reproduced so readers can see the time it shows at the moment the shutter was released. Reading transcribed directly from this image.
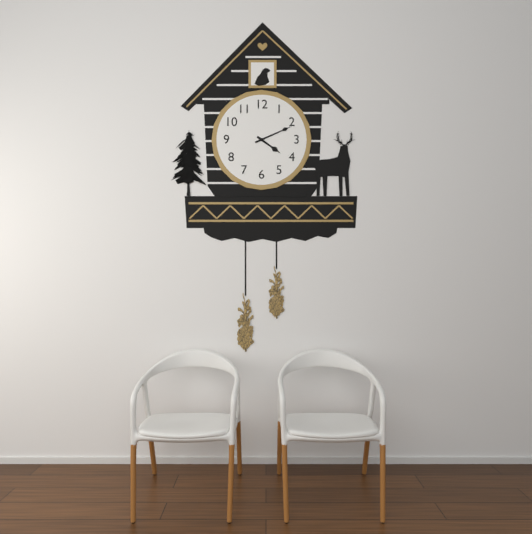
4:11
